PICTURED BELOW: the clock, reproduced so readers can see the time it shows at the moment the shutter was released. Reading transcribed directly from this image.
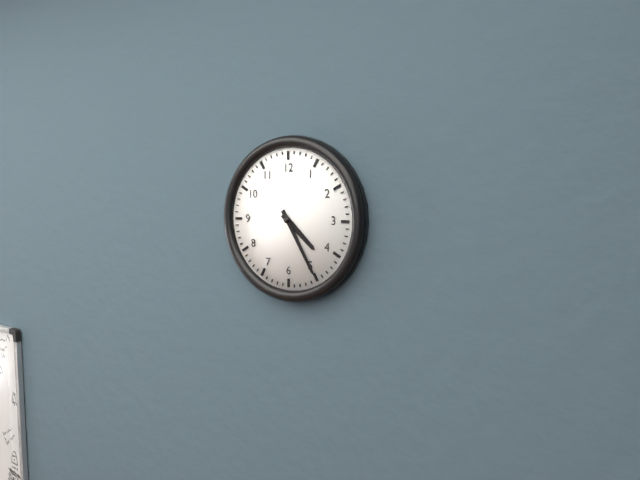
4:25
